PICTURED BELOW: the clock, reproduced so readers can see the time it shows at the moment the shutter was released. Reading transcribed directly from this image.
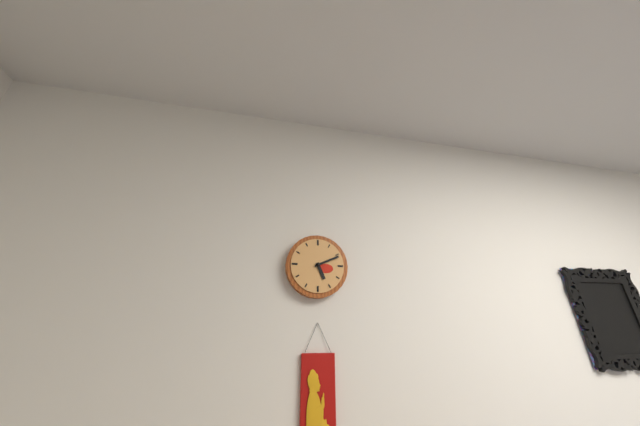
5:11
